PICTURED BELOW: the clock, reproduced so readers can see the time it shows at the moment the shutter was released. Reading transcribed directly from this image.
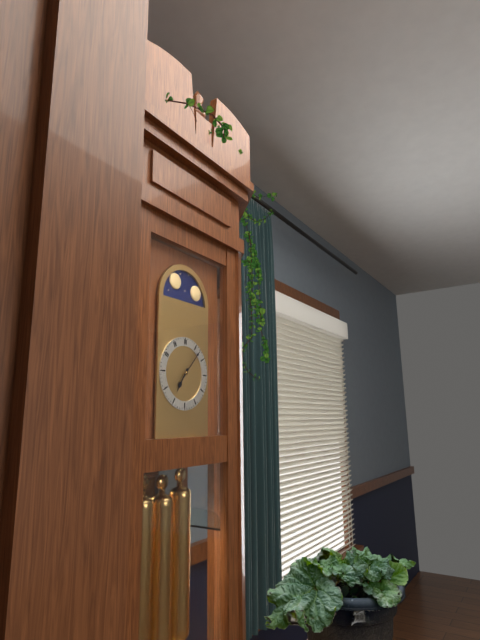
7:07
